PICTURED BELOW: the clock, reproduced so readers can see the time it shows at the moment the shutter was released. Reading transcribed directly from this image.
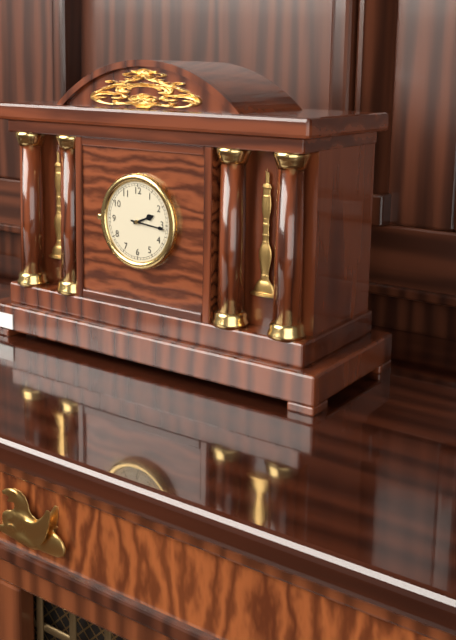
2:16
